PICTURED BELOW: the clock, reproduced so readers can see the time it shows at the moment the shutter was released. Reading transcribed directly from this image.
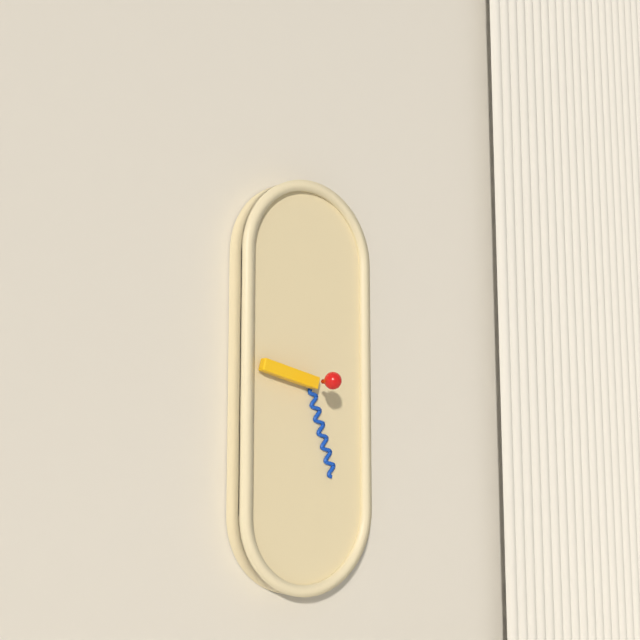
9:27
